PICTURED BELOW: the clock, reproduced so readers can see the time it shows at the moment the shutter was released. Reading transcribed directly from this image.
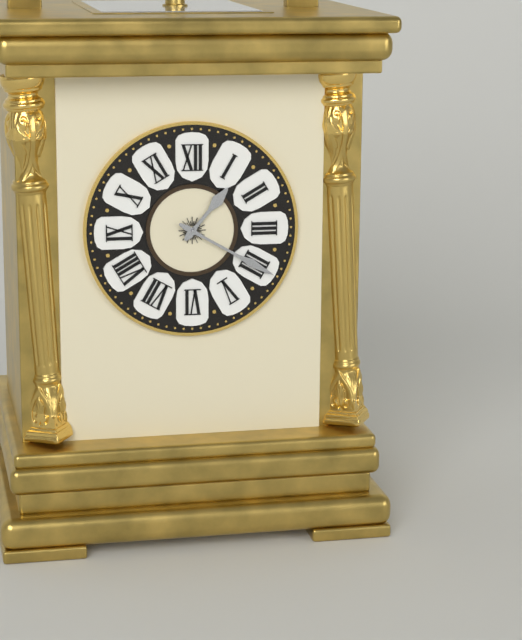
1:20
